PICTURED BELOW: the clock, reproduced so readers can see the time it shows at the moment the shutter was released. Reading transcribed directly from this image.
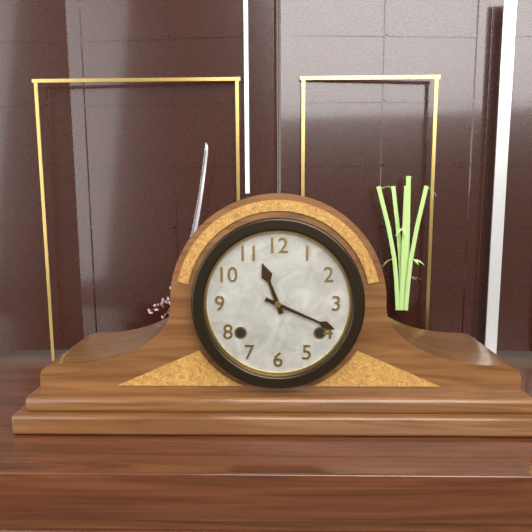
11:19
